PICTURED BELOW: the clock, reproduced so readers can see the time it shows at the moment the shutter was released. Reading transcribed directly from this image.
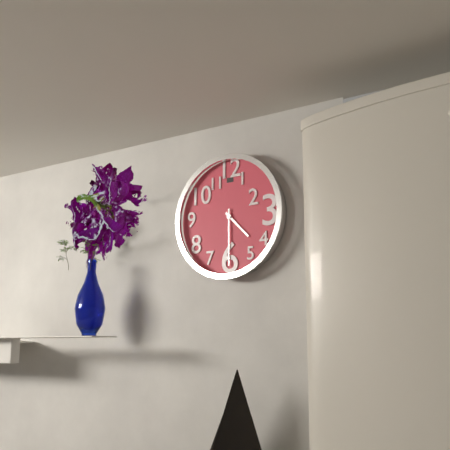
4:30
